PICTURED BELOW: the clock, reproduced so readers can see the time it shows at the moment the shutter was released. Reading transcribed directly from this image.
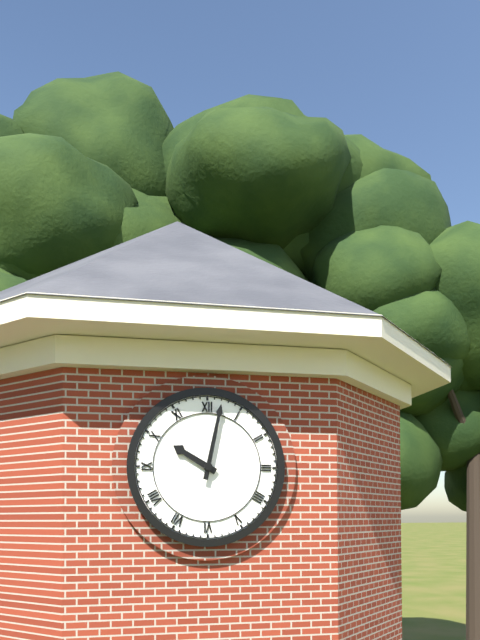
10:02
